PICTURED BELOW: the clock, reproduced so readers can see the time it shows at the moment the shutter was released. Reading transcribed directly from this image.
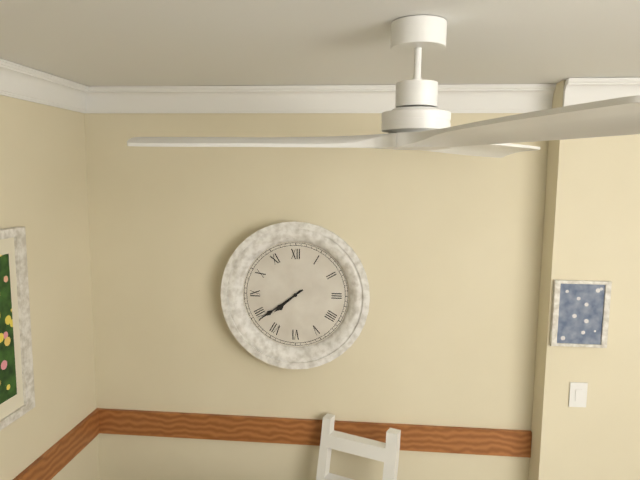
7:39
